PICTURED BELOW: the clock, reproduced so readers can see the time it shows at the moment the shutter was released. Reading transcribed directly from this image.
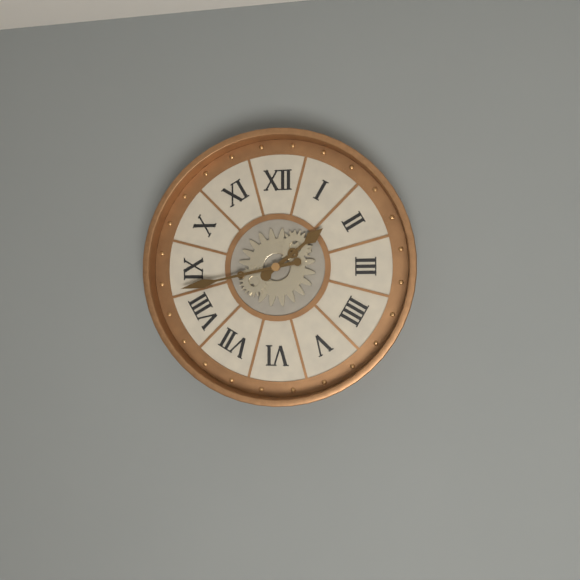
1:43
